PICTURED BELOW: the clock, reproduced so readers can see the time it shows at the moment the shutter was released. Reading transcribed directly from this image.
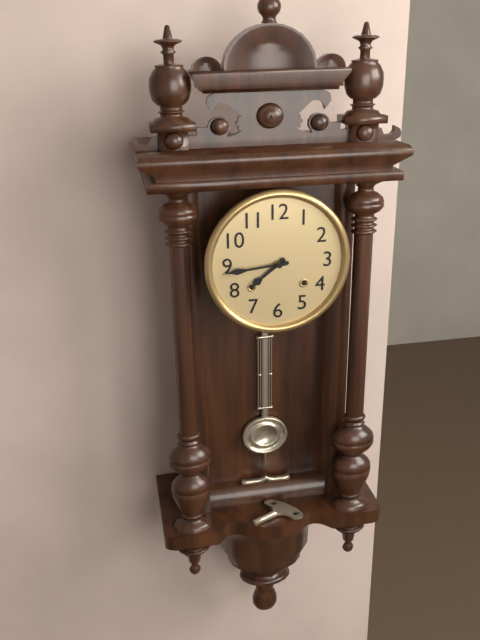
7:44
